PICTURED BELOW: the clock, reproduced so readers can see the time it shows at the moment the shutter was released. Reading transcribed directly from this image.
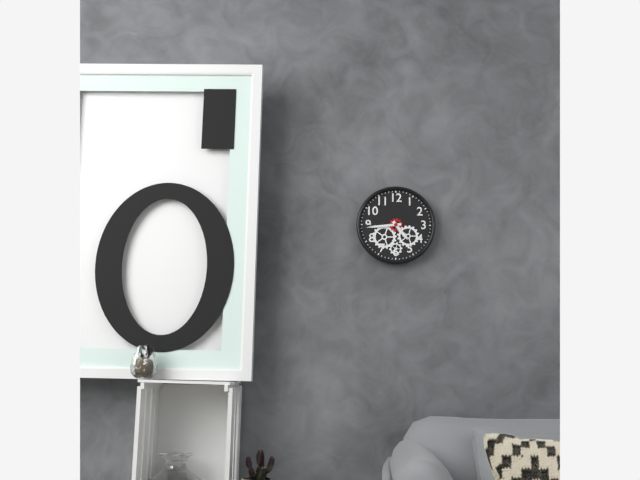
4:44
